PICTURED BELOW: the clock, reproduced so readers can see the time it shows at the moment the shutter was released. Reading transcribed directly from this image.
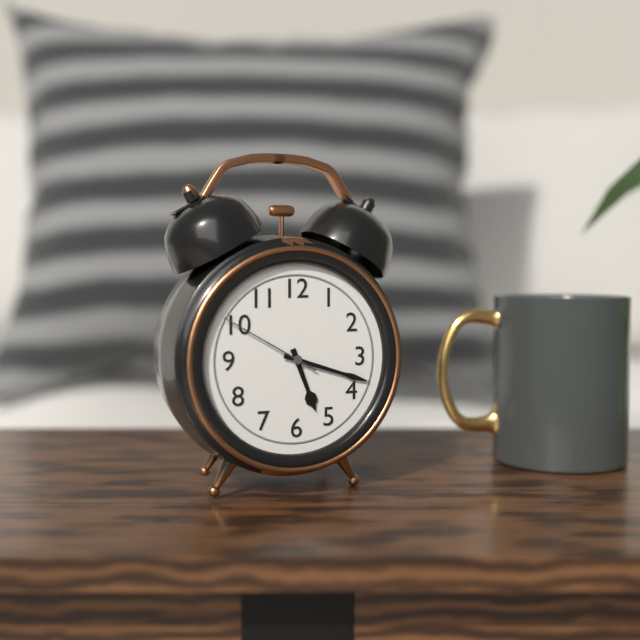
5:18:50
